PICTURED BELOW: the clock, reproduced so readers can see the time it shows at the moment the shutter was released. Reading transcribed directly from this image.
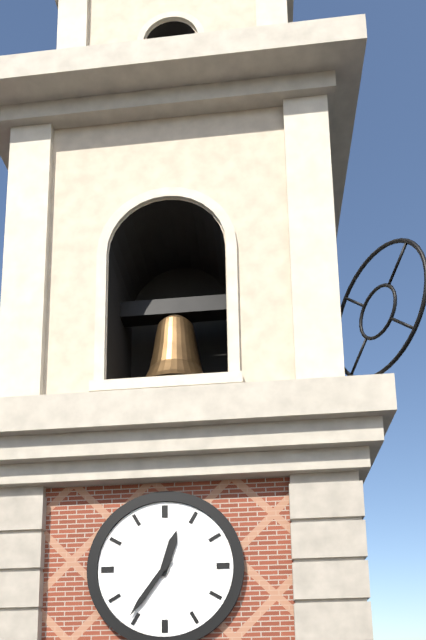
12:36
